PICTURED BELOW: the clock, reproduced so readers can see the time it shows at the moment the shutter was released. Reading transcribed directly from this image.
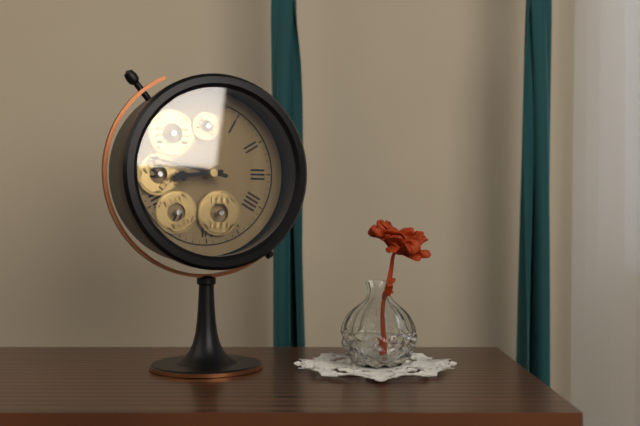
8:47
